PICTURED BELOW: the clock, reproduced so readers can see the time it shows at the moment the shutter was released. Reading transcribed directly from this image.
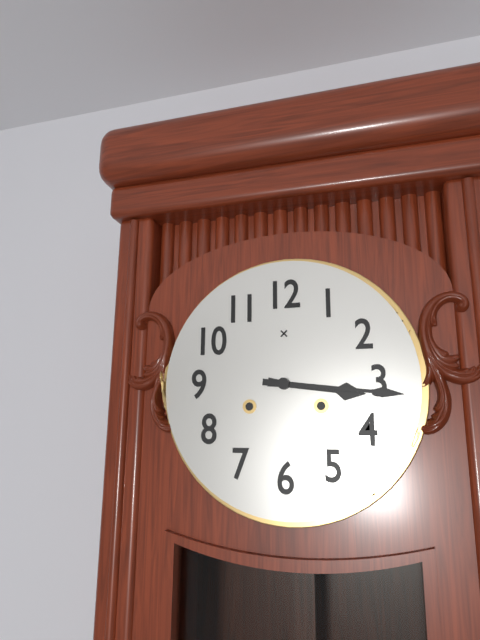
3:16
